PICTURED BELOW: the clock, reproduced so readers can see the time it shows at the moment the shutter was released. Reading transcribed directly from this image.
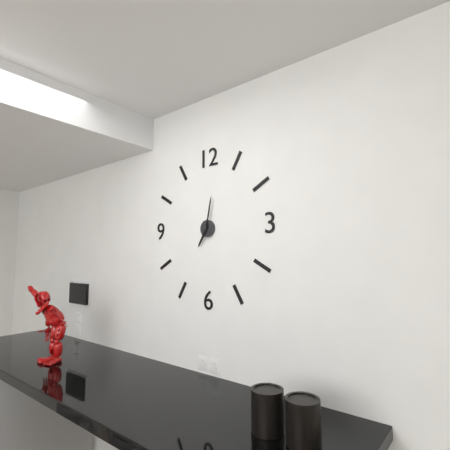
7:02
